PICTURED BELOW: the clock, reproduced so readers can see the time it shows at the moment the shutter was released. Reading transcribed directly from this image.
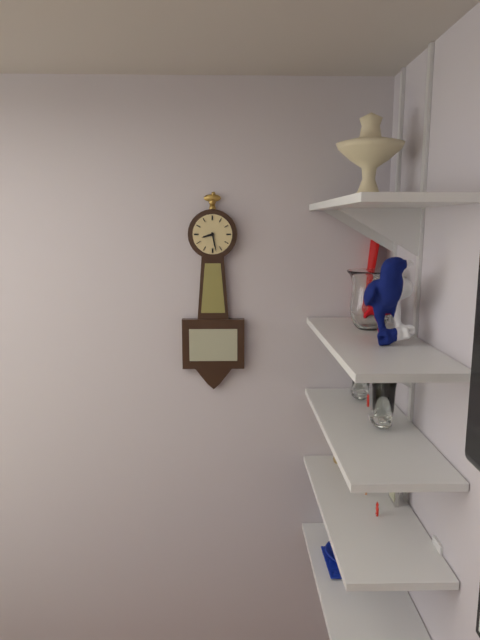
8:28
